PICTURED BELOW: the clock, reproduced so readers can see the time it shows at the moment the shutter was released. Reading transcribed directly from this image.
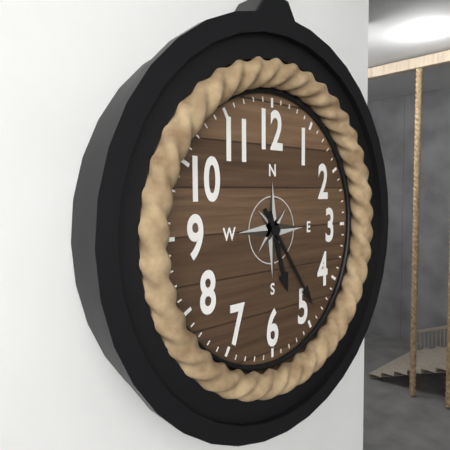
5:24
